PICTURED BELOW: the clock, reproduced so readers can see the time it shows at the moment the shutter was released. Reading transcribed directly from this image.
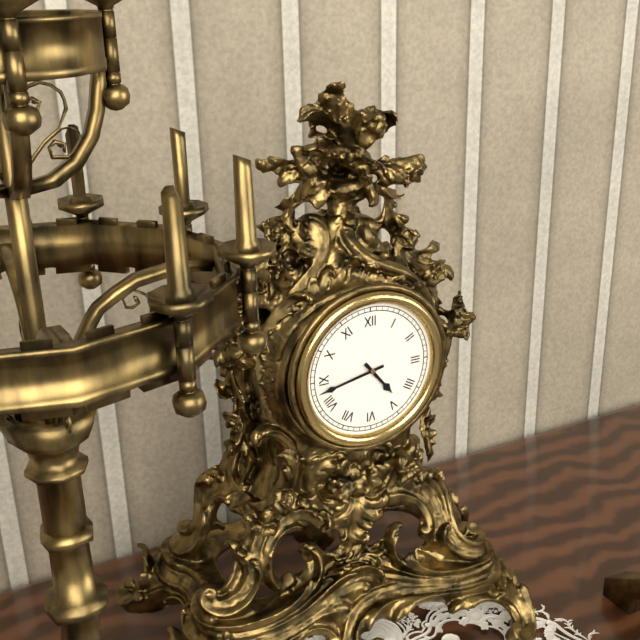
4:43
